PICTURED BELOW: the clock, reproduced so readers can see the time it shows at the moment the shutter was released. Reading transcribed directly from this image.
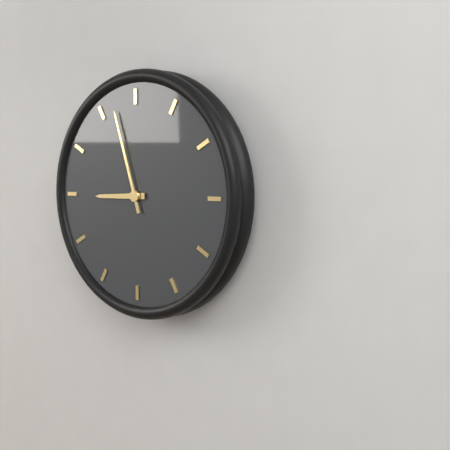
8:57
